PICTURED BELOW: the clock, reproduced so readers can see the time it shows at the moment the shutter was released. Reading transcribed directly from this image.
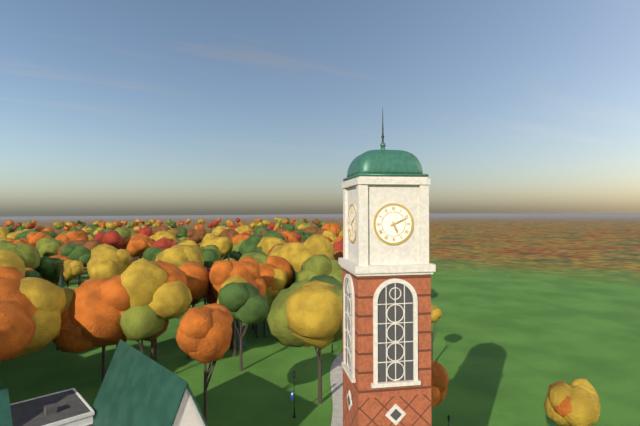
5:11
